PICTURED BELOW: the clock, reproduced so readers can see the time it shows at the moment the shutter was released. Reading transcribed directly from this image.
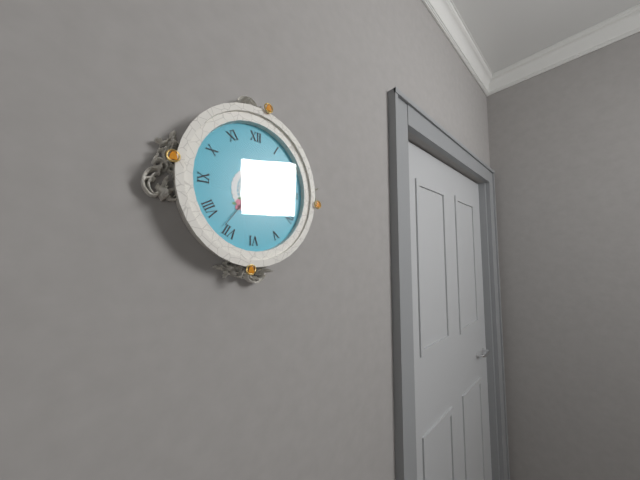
4:14:36
